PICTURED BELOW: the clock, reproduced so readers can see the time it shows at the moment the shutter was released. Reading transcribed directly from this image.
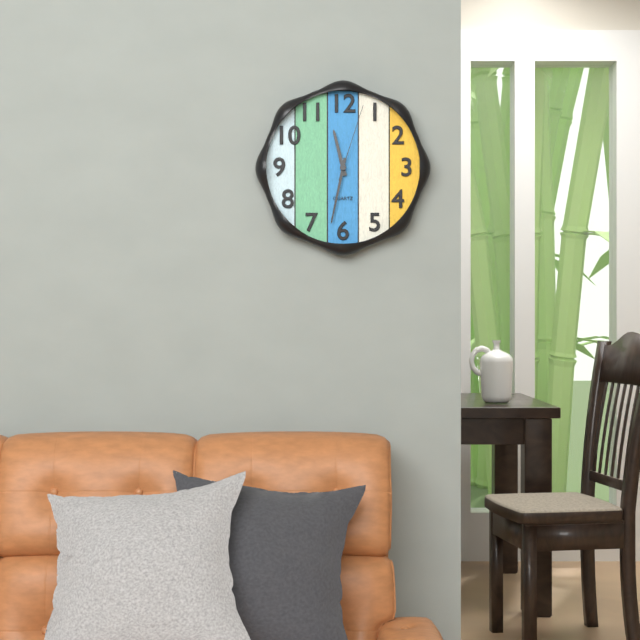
11:32:03
